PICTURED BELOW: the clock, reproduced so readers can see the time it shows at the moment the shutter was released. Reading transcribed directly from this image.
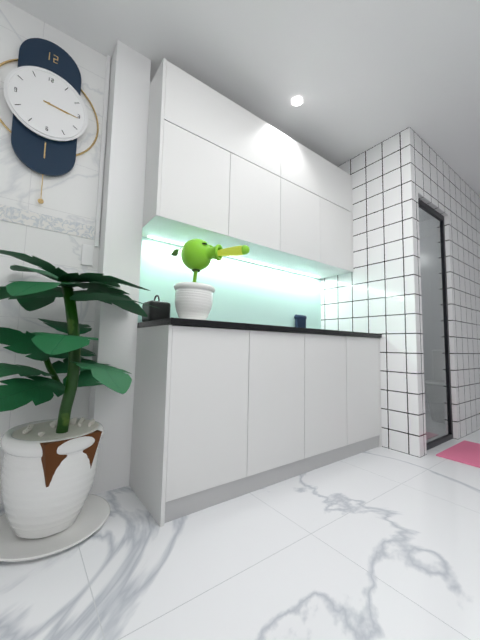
3:16
